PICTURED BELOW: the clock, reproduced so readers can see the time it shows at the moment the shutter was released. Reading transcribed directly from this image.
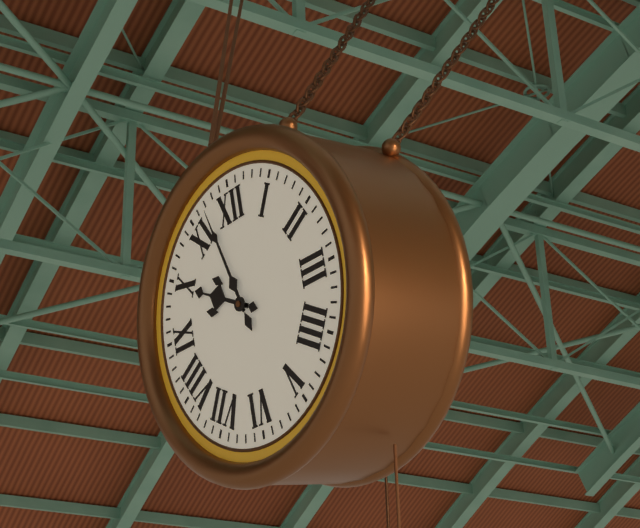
9:57
